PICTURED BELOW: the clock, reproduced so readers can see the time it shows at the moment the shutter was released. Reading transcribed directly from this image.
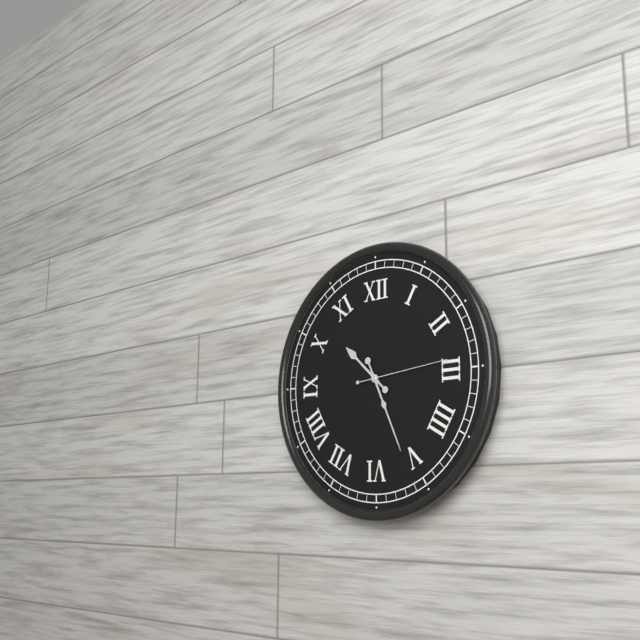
10:26:14
